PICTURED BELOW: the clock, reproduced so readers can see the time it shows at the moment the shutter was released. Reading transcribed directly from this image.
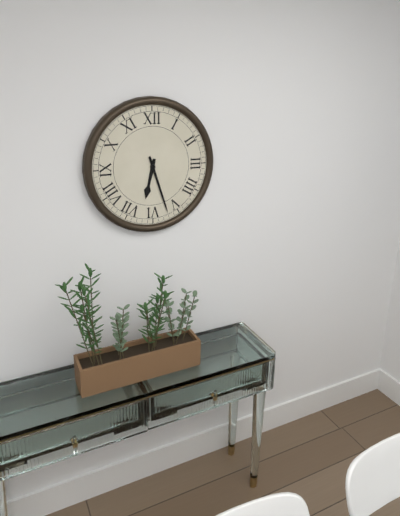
6:27
